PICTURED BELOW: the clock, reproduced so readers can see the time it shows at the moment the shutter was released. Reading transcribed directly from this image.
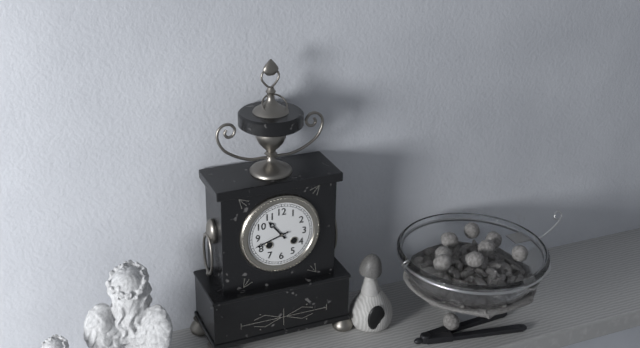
10:42
